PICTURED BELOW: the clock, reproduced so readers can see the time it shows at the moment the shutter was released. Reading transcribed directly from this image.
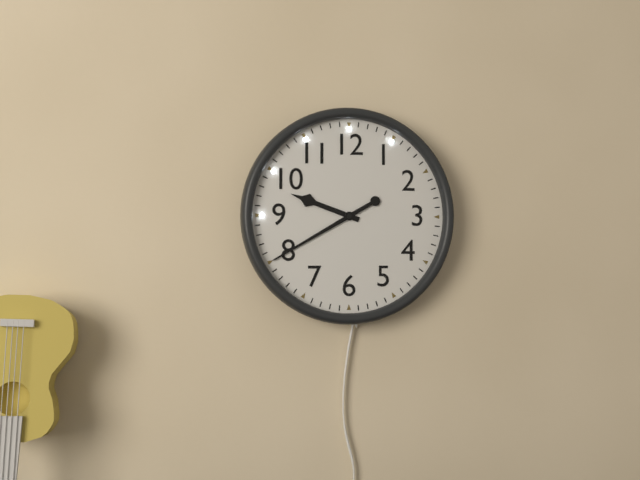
9:40
